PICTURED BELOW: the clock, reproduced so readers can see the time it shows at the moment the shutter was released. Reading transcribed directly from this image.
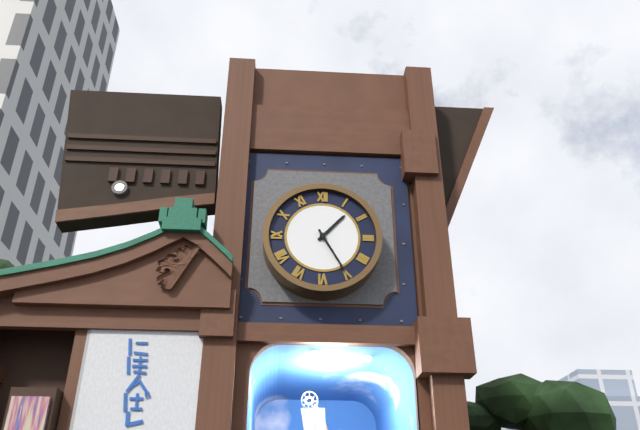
1:25
